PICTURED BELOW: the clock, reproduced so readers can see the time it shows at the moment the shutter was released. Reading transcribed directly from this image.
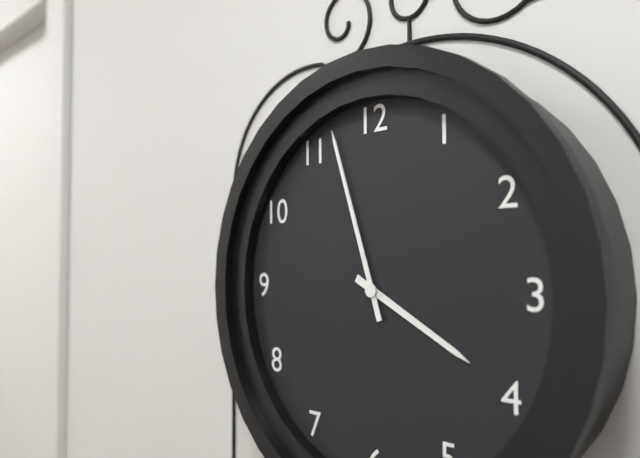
3:57
